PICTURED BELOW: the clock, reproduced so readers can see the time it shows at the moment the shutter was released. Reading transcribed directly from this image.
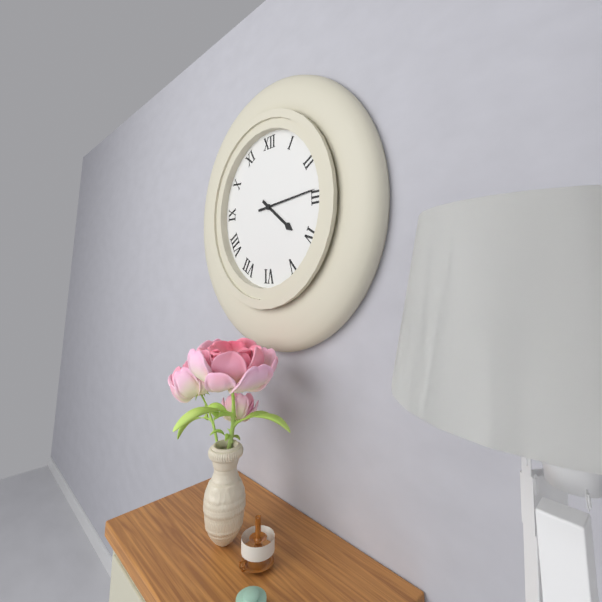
4:14
